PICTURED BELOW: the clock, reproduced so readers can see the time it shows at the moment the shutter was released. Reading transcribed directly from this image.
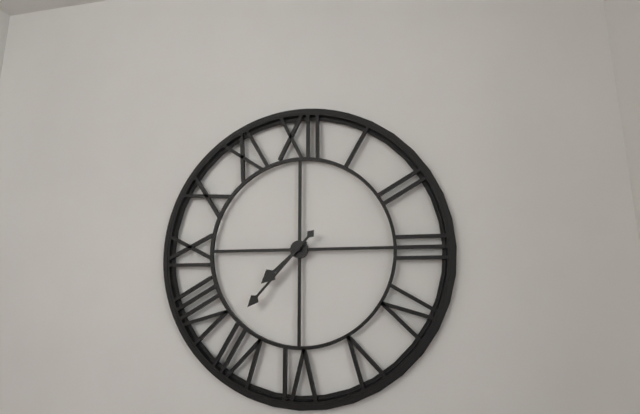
7:37
